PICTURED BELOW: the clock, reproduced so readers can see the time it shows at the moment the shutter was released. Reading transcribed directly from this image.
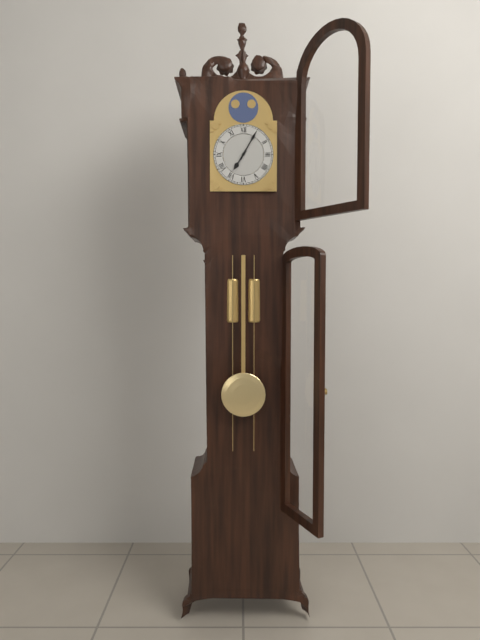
7:05
